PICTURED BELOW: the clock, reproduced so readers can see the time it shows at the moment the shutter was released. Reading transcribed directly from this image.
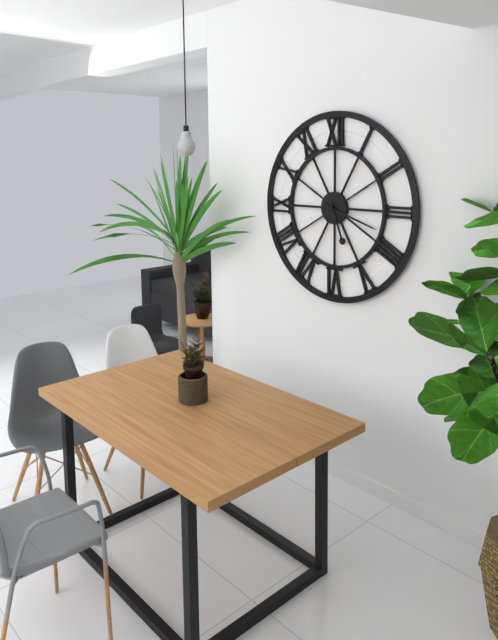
5:18
